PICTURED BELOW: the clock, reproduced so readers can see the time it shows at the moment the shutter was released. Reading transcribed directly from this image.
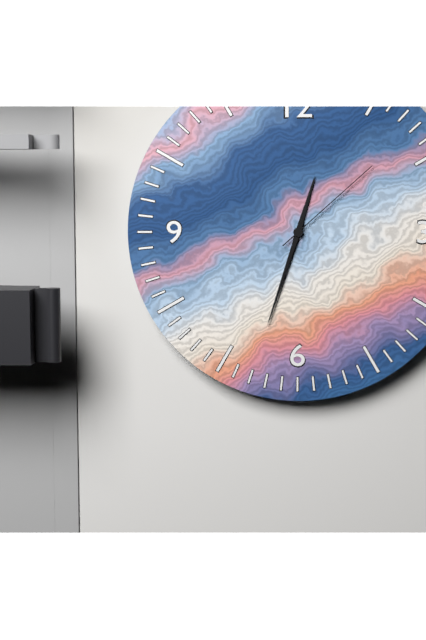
12:33:08
